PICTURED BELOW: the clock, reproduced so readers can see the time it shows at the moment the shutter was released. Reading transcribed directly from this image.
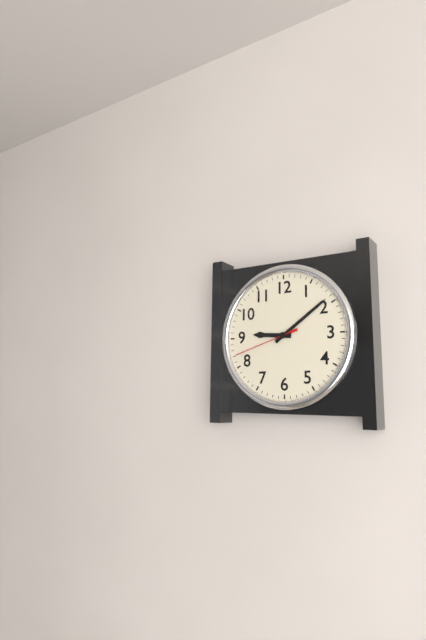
9:09:42
